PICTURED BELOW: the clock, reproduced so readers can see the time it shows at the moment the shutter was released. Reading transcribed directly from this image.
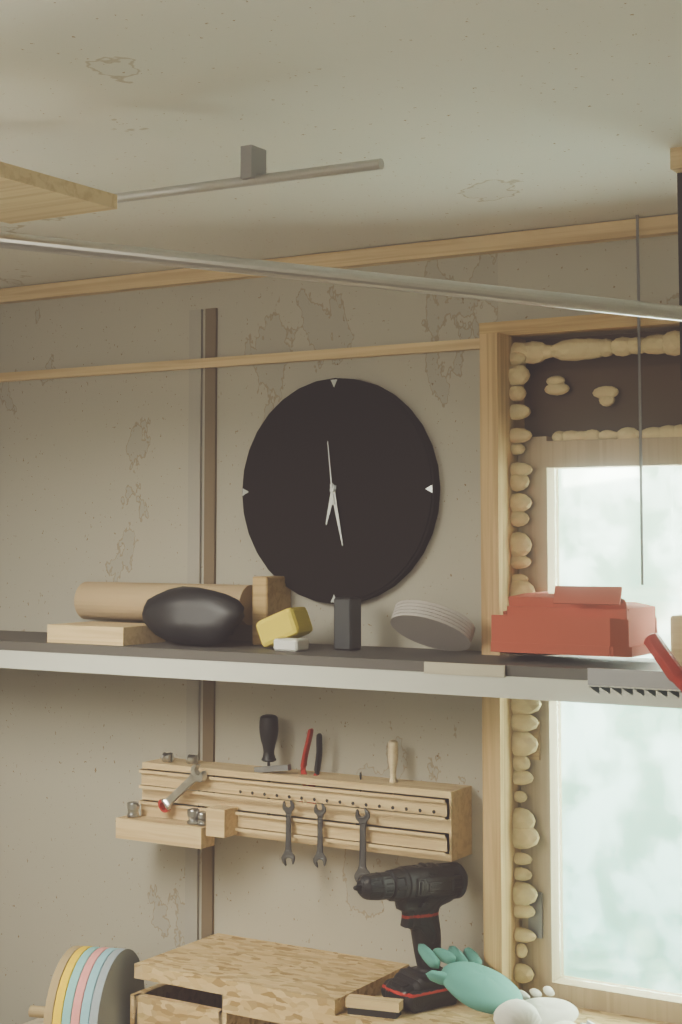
6:28:59
